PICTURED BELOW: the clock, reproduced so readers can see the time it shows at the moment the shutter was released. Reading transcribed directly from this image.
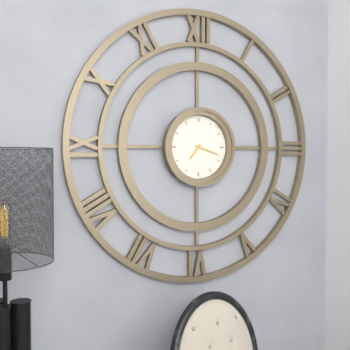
7:18
